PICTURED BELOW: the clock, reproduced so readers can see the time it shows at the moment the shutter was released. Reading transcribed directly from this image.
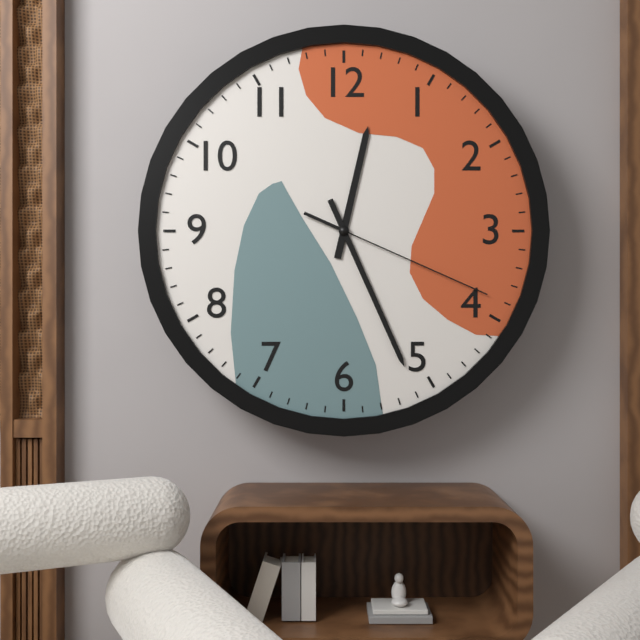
12:26:19
